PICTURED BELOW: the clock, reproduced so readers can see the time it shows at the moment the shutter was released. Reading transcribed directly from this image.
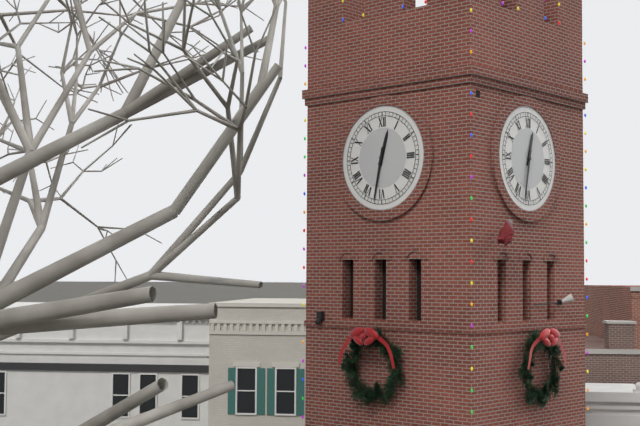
12:32
